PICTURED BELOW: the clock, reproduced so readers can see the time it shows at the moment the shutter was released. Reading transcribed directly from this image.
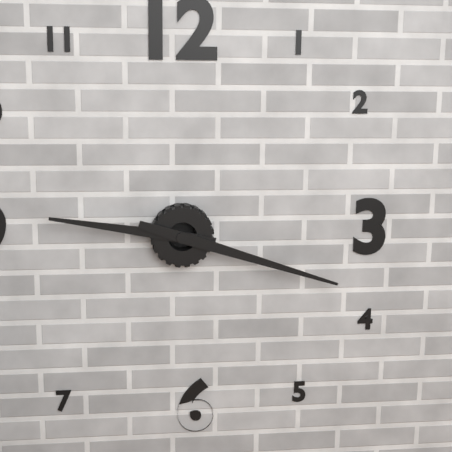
9:18
